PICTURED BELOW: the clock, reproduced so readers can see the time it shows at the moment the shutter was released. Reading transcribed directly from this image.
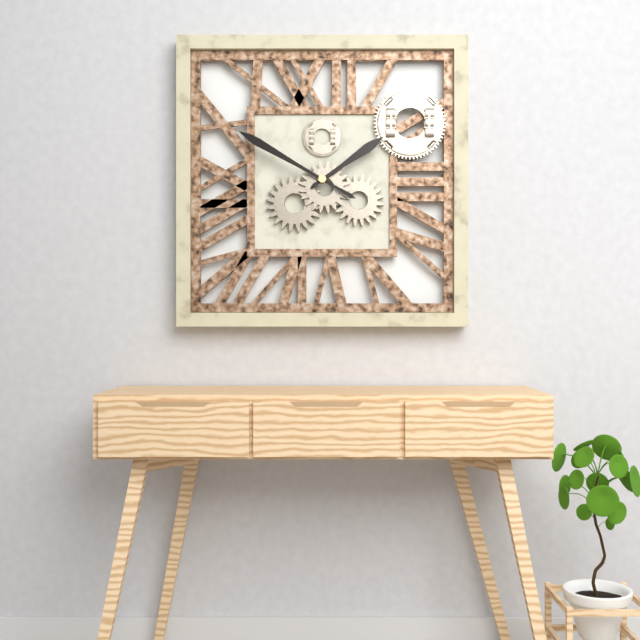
1:50
